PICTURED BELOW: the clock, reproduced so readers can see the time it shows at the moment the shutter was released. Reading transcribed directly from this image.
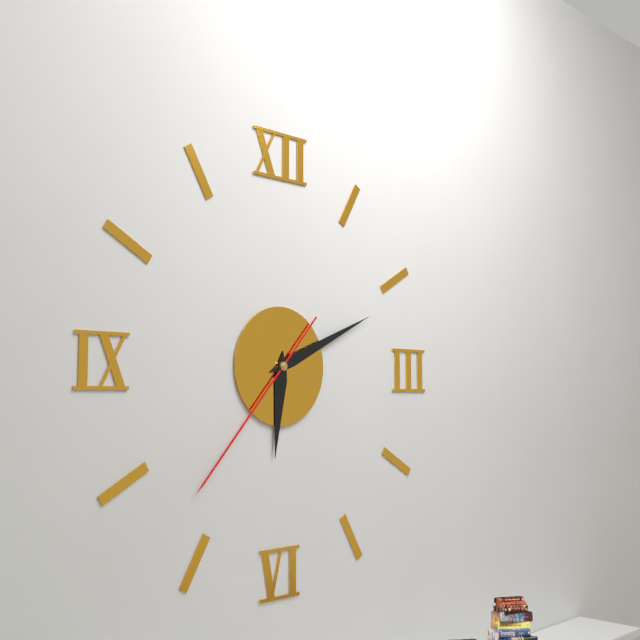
6:11:37
